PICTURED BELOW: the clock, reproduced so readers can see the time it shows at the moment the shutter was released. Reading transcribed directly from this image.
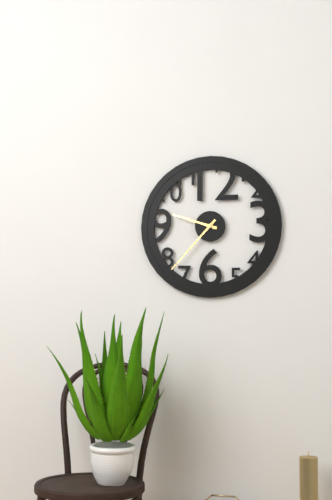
9:37
